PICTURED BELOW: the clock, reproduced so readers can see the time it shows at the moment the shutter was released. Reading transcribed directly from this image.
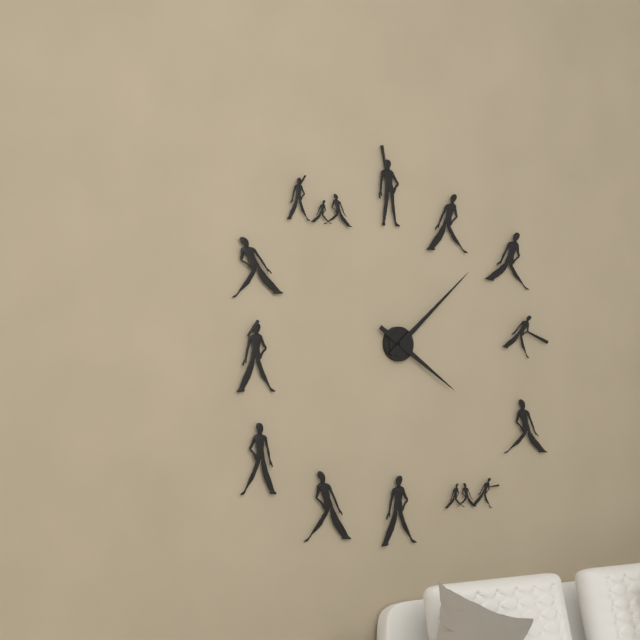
4:08
